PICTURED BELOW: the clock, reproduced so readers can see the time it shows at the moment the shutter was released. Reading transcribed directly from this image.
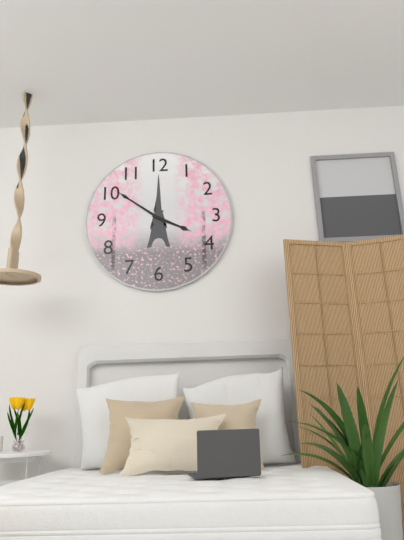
3:51
